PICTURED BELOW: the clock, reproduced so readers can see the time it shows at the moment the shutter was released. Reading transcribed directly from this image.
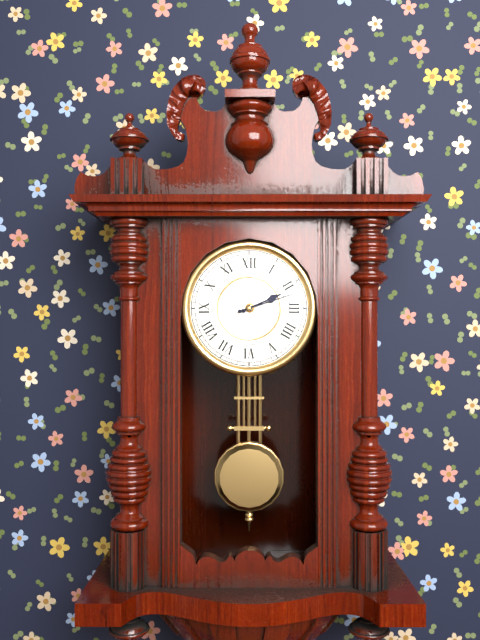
2:12
